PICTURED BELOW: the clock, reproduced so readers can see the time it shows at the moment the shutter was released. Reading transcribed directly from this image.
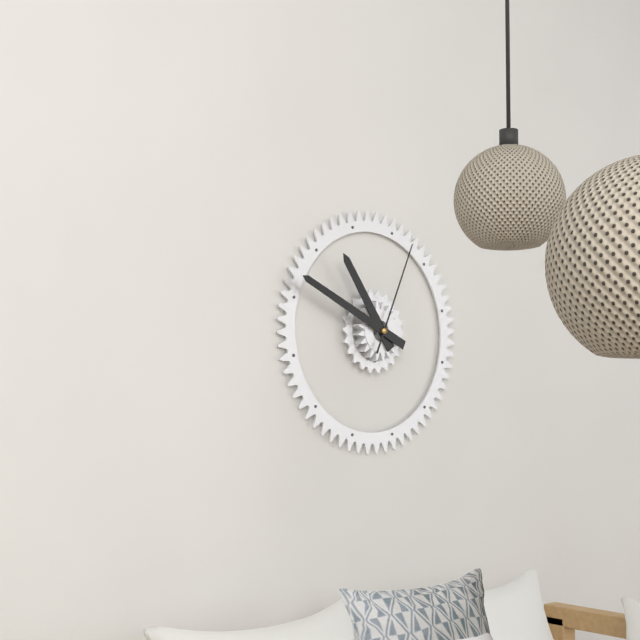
10:49:04
